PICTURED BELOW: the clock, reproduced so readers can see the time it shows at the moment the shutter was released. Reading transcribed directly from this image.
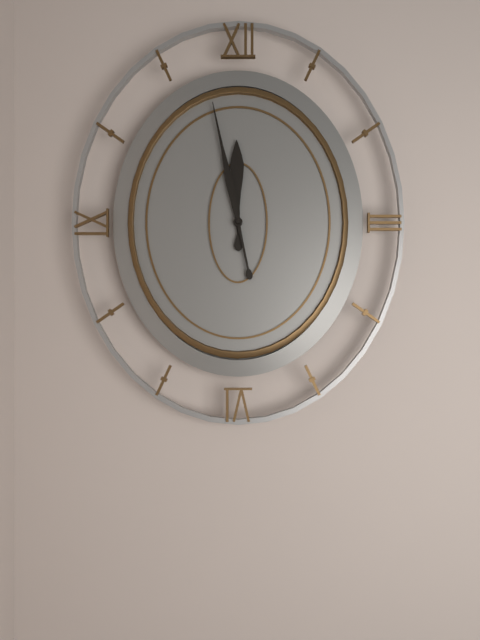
11:58
